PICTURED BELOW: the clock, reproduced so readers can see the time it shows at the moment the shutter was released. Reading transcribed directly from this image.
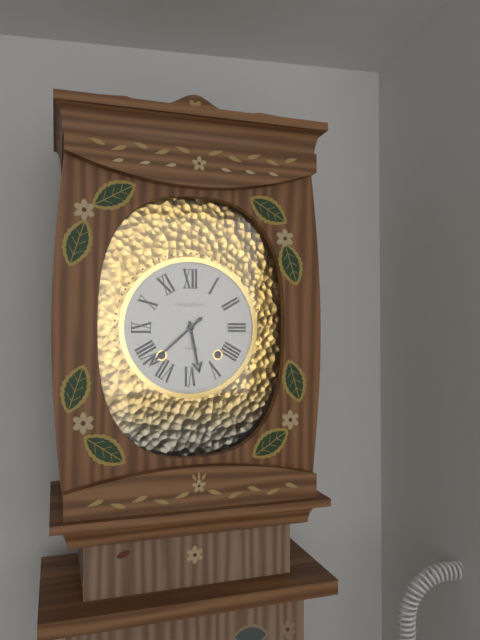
5:38
